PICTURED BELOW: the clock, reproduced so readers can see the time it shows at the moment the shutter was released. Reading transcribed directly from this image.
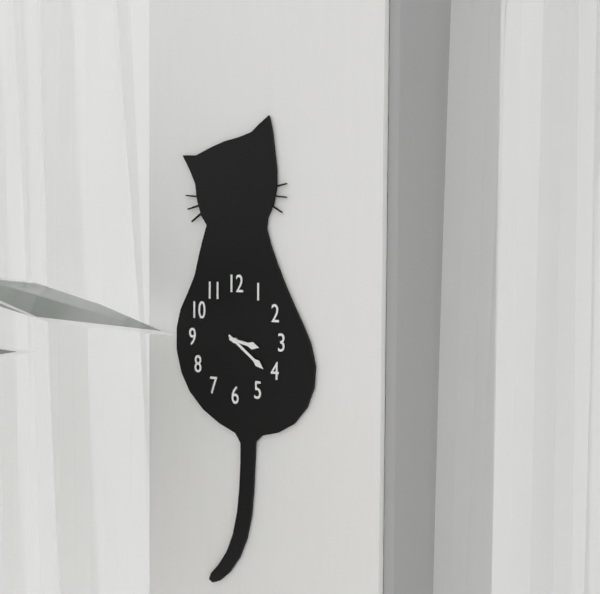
3:21
